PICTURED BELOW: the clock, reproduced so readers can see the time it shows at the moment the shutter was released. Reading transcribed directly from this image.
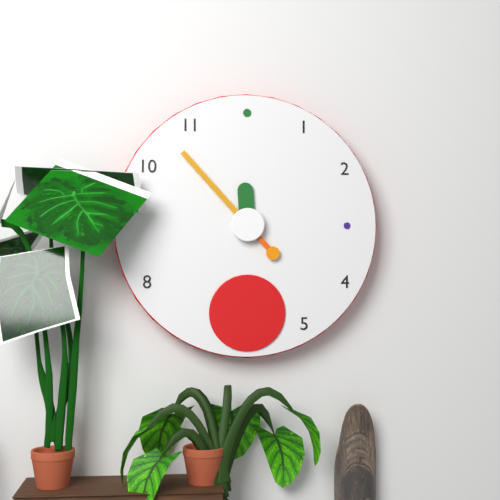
11:53
